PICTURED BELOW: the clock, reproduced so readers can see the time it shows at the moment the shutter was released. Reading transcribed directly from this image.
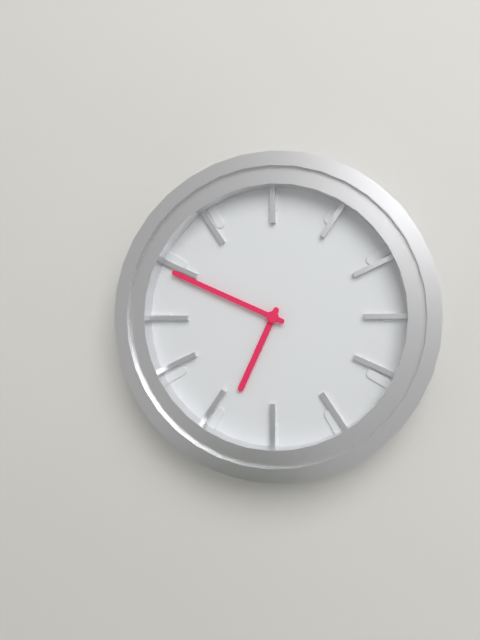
6:49
